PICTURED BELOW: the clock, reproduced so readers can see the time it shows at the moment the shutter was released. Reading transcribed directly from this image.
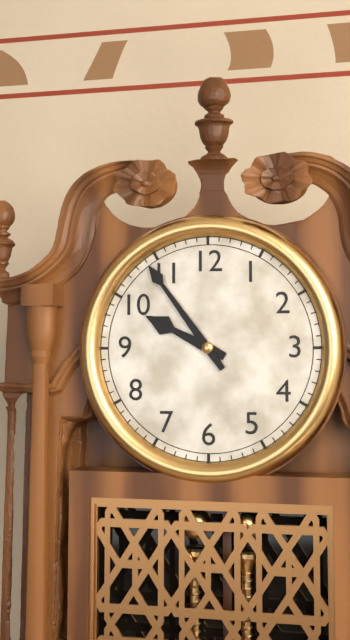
9:54
